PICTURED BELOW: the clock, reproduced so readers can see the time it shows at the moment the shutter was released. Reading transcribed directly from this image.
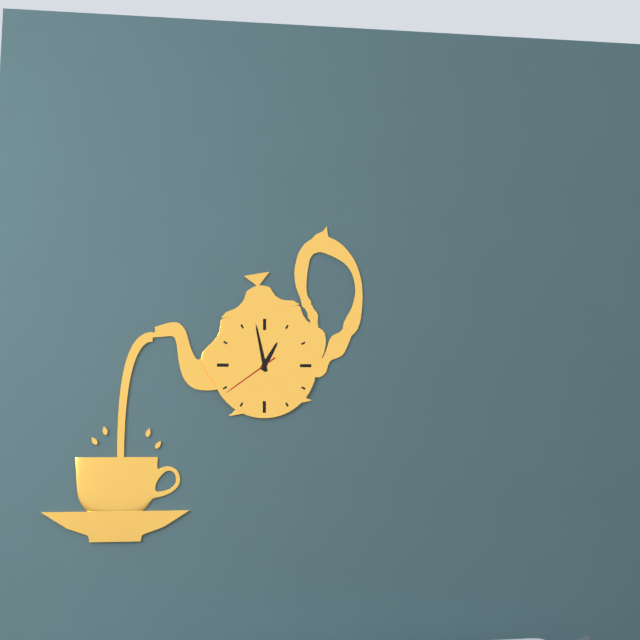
12:58:39
